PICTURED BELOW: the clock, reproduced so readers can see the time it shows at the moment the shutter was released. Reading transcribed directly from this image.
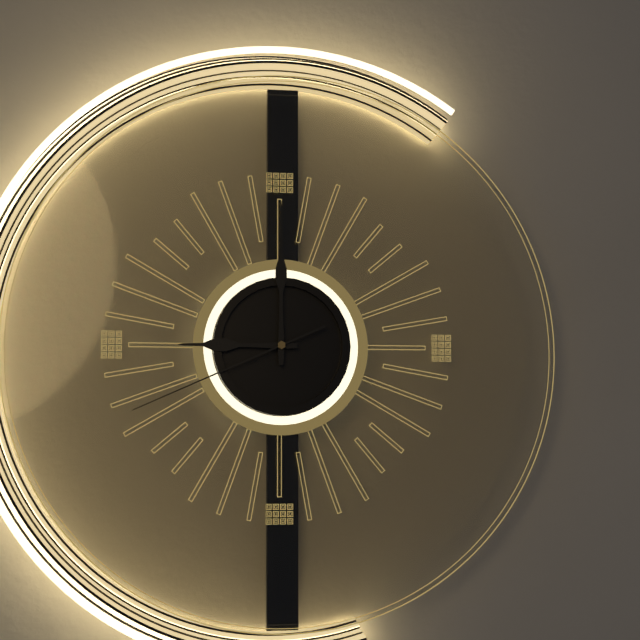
9:00:41
